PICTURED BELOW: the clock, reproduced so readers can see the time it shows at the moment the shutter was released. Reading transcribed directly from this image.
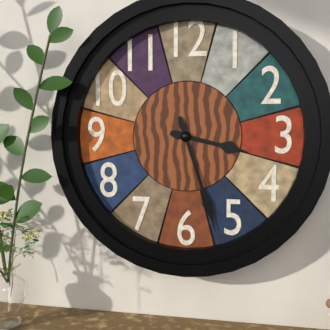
3:27
